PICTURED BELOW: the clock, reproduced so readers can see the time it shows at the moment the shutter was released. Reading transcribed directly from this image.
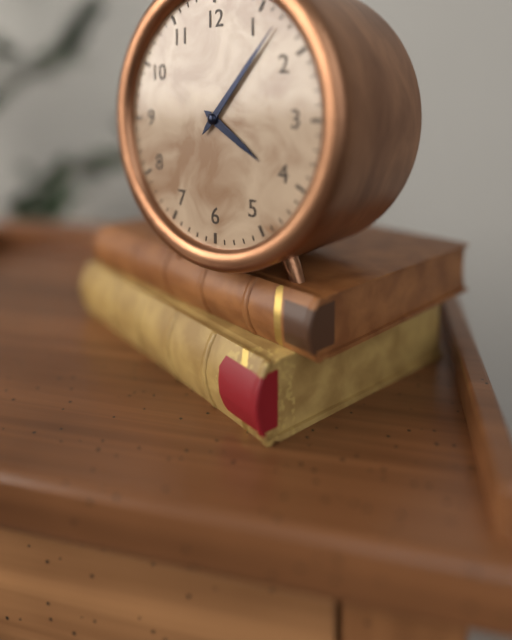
4:07
